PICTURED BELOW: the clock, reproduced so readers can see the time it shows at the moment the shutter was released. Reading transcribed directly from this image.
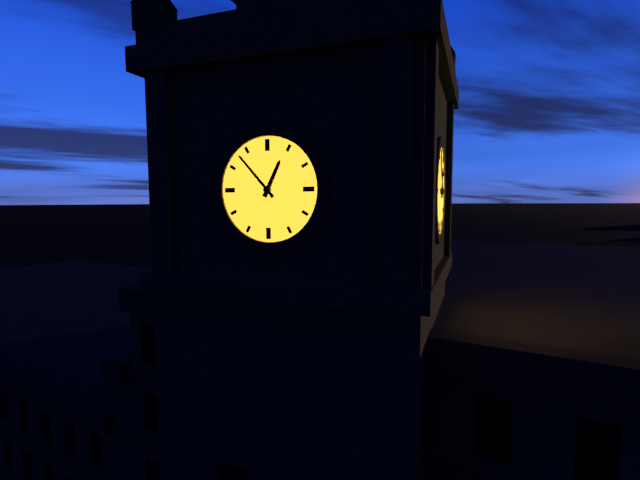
12:53
